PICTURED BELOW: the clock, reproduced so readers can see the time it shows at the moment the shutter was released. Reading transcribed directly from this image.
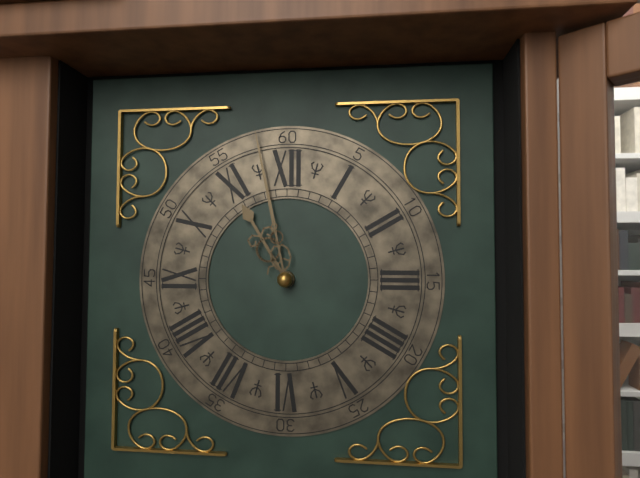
10:58
